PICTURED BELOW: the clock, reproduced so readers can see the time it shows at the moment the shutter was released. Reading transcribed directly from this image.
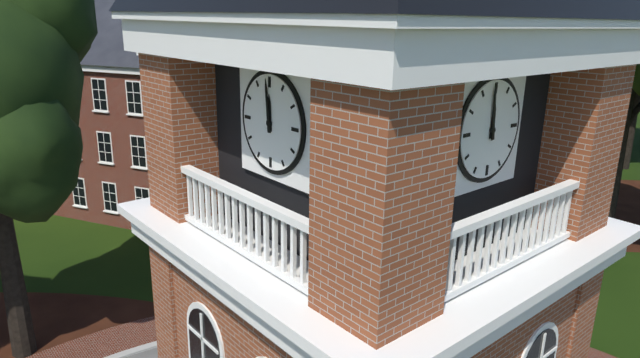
11:59
